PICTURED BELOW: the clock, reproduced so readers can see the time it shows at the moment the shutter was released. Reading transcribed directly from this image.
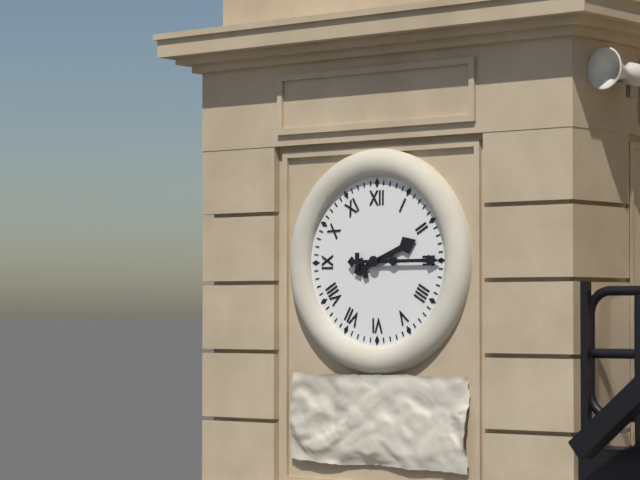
2:15
